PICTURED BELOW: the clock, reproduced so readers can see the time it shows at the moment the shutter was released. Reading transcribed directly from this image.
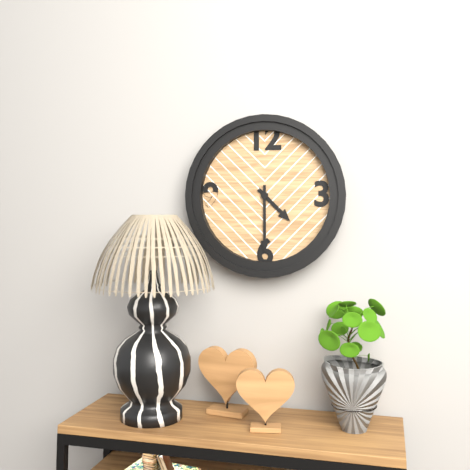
4:30
